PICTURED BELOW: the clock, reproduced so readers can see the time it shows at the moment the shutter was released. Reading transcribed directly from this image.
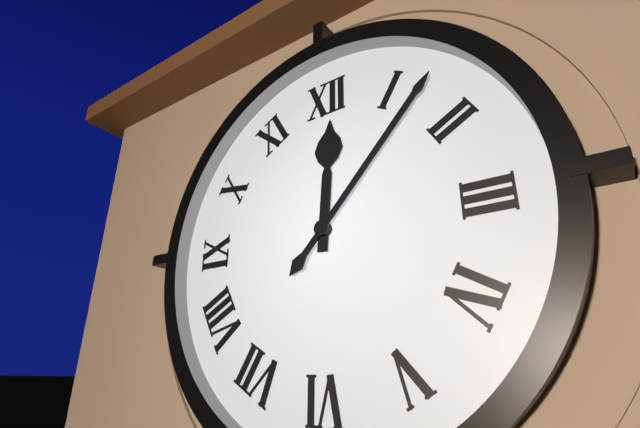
12:07
